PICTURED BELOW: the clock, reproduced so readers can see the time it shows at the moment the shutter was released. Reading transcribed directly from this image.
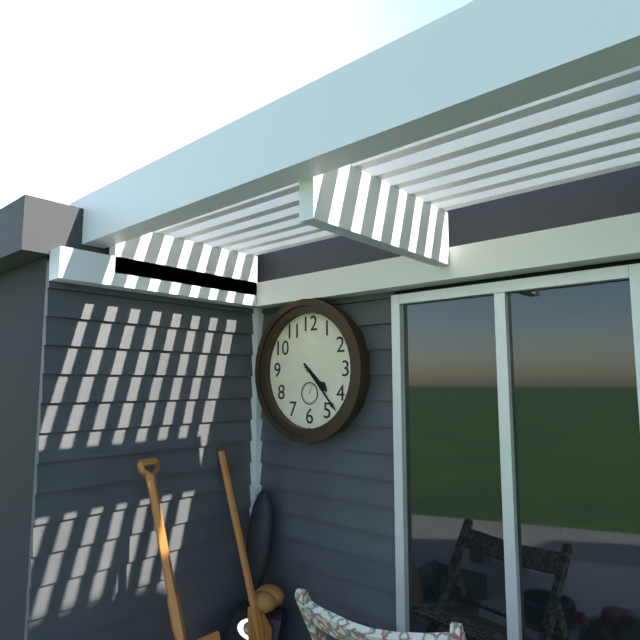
4:23
